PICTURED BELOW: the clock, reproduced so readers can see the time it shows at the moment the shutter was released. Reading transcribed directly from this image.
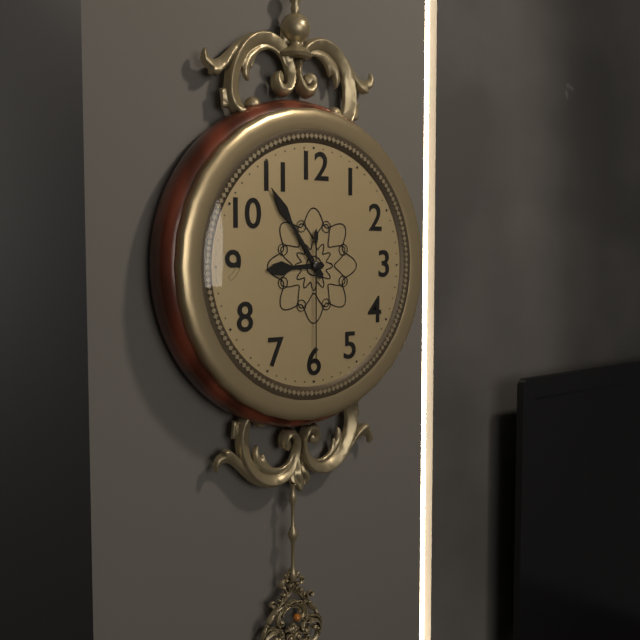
8:54:30
